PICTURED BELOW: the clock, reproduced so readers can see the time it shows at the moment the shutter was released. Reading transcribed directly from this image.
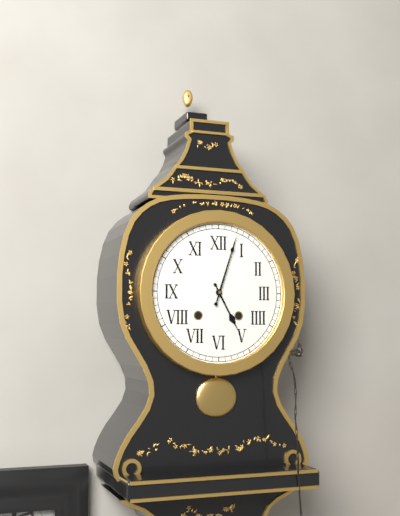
5:03
